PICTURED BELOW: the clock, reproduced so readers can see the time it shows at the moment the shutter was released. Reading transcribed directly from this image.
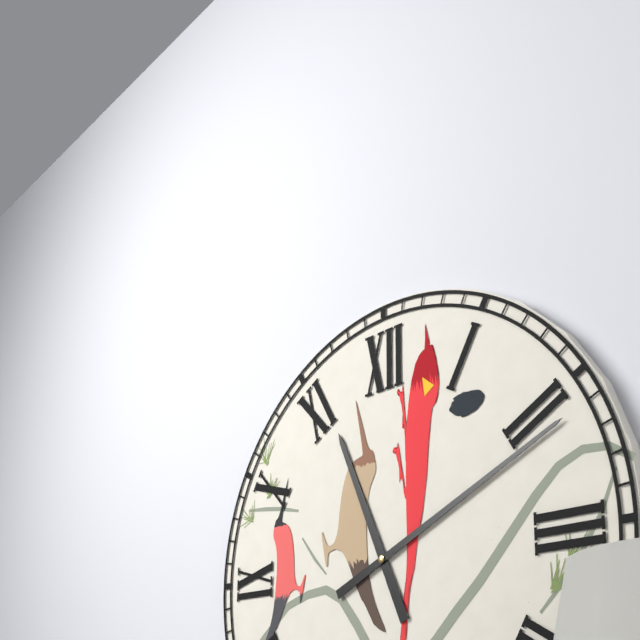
11:11
